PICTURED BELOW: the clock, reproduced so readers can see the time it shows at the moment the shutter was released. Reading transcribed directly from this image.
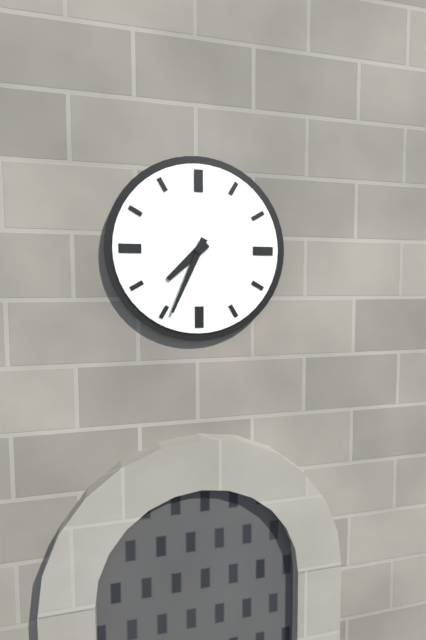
7:34
